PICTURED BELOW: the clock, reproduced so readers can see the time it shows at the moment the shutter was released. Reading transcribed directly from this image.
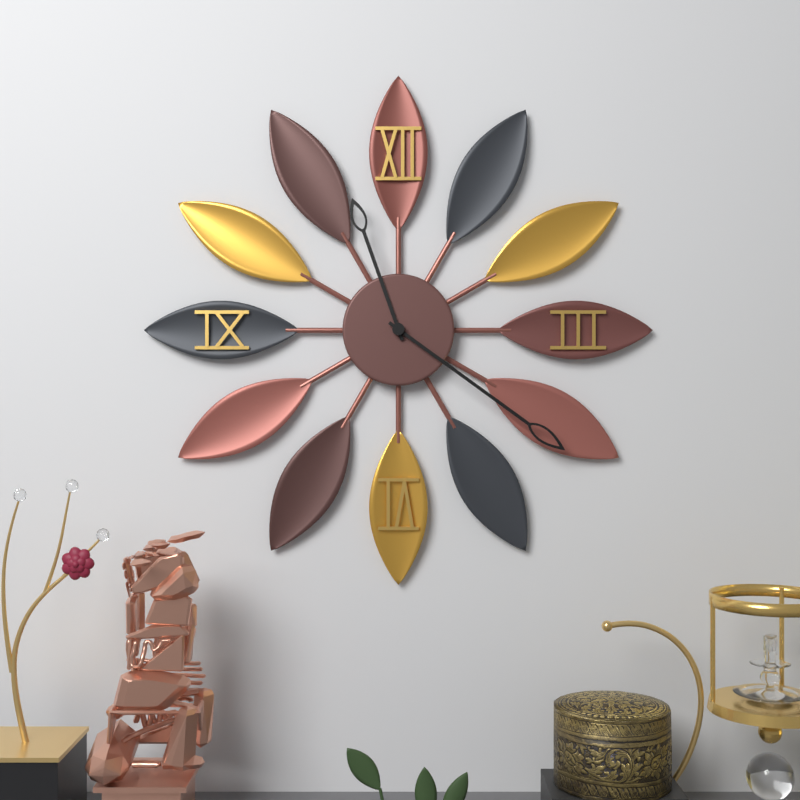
11:21
